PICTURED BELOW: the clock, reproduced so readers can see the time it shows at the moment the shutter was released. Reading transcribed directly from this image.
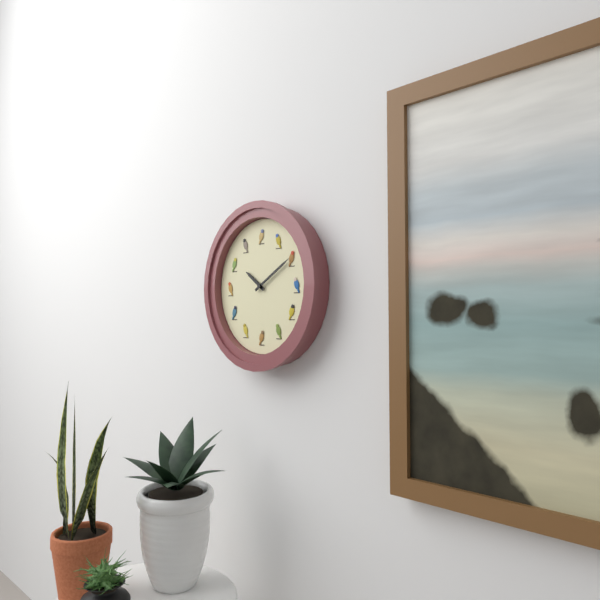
10:10
